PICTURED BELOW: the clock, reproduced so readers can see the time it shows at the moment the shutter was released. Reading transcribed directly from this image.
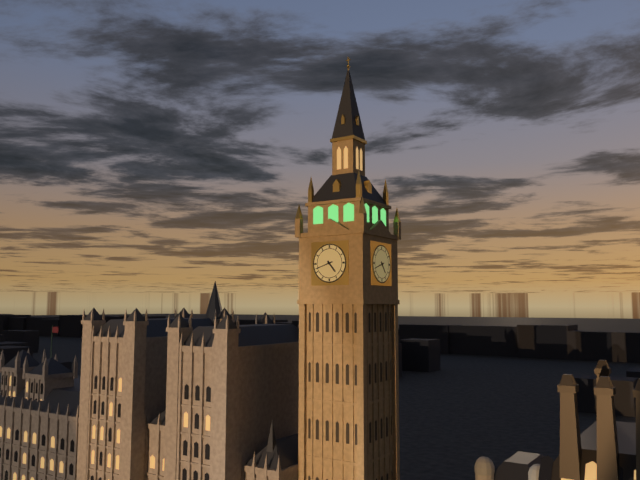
4:42
